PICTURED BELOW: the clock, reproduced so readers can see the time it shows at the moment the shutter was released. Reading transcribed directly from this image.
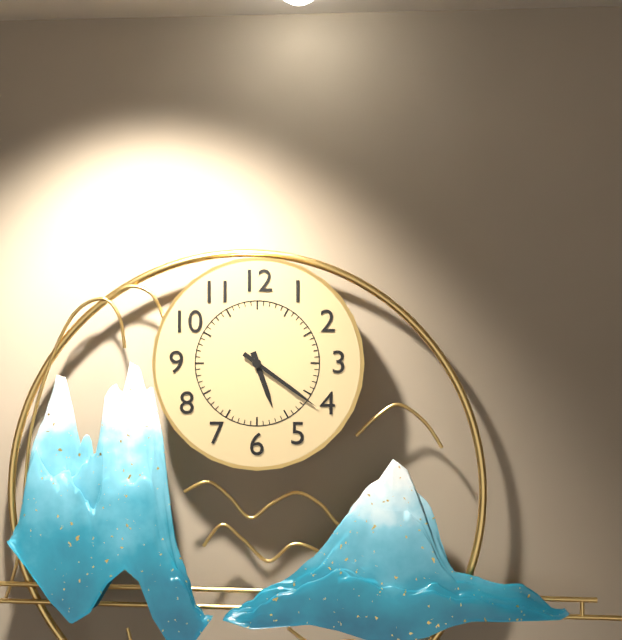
5:21
